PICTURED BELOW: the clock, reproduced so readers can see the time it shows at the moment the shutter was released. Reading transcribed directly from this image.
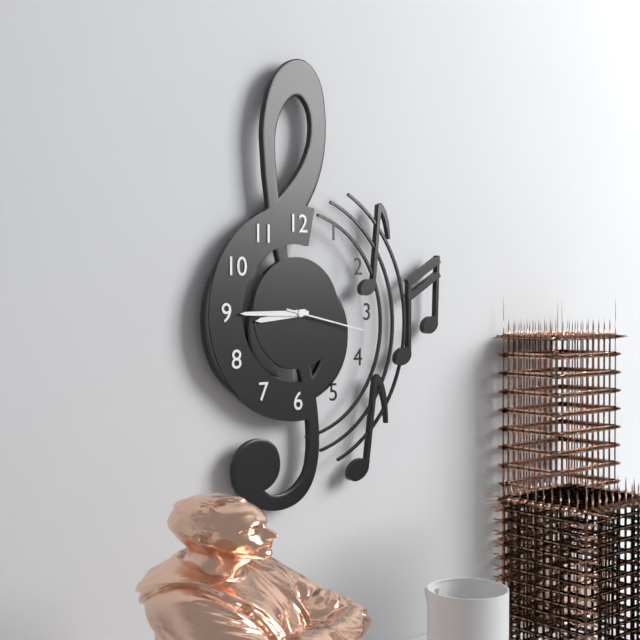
8:45:17
